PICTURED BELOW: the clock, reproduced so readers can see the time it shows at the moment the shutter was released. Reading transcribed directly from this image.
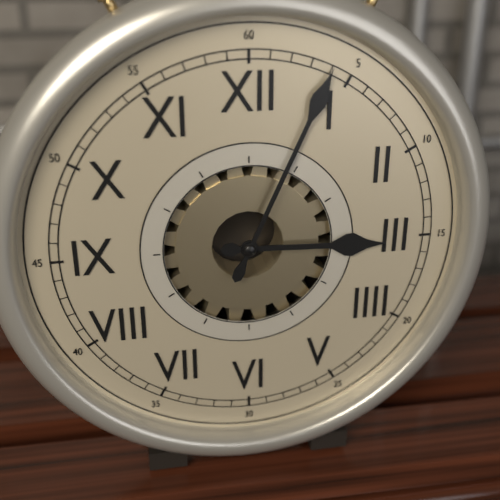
3:04
